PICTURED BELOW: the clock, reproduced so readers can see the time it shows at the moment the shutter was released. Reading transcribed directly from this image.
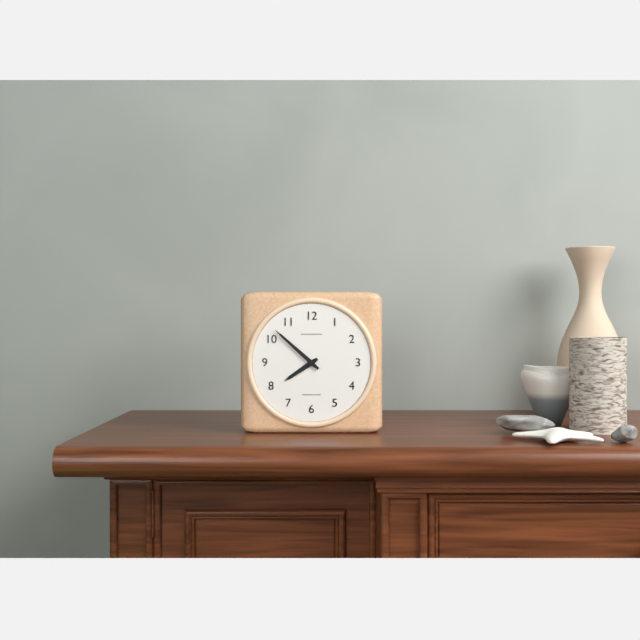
7:52
